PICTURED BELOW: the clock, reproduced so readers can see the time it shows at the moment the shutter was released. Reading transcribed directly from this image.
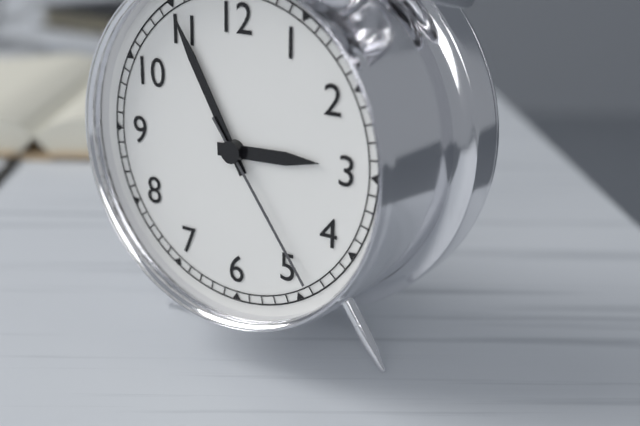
2:55:24
